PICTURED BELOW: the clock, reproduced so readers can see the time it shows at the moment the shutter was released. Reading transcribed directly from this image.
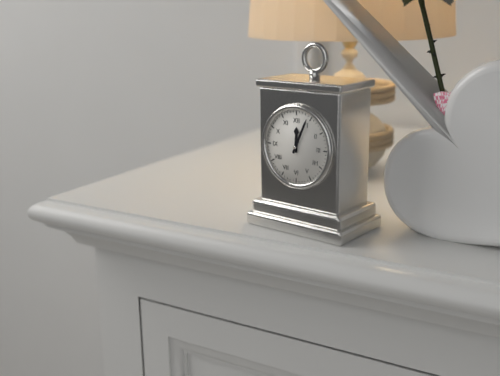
12:04
